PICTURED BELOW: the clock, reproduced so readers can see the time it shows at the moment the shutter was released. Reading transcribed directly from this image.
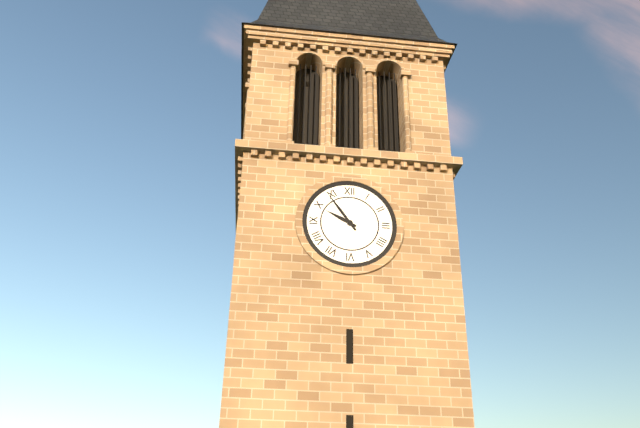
9:54
